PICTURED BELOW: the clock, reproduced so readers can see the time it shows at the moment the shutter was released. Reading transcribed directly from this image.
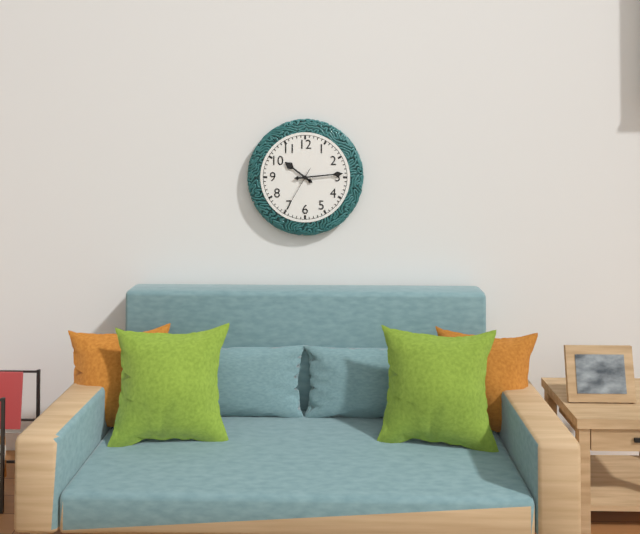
10:14:35
